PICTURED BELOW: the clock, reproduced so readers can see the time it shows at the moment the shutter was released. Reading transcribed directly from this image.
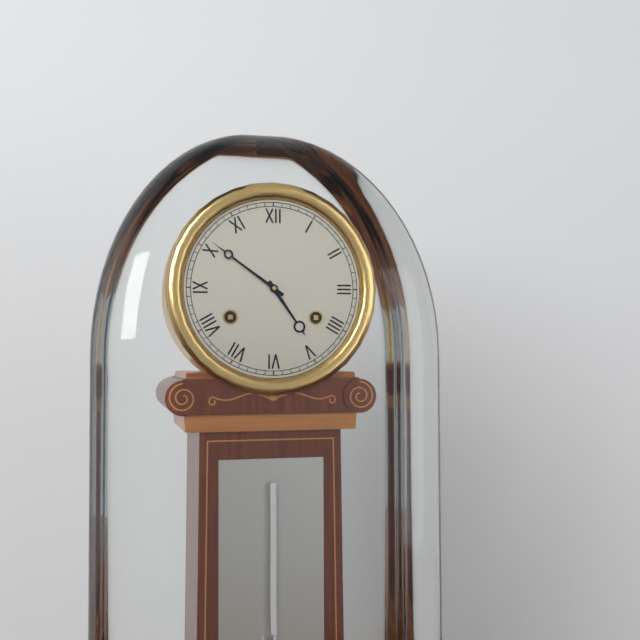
4:51
